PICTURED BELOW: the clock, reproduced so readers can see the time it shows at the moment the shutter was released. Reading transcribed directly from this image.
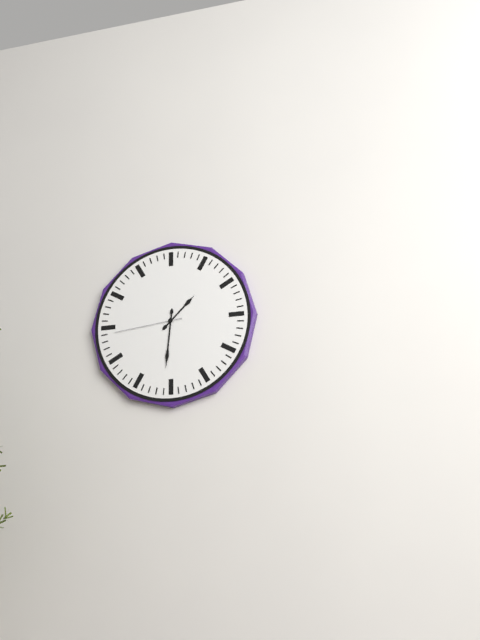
1:31:44
